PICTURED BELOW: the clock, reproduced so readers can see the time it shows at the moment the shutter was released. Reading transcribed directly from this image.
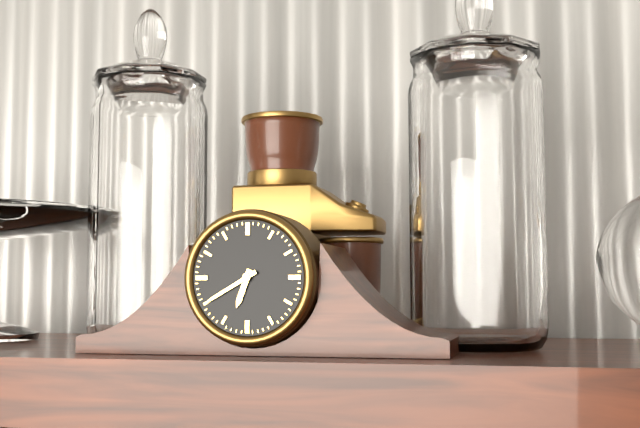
6:40
